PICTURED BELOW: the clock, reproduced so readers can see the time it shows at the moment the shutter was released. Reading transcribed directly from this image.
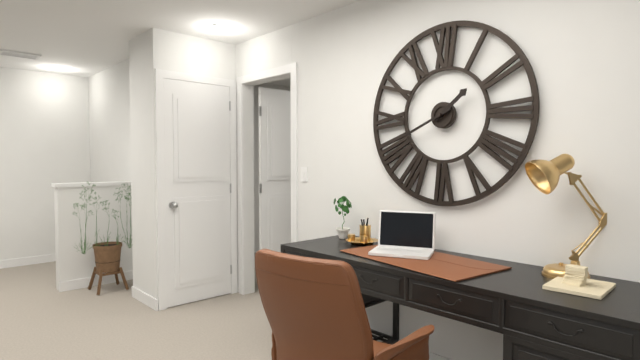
1:41
